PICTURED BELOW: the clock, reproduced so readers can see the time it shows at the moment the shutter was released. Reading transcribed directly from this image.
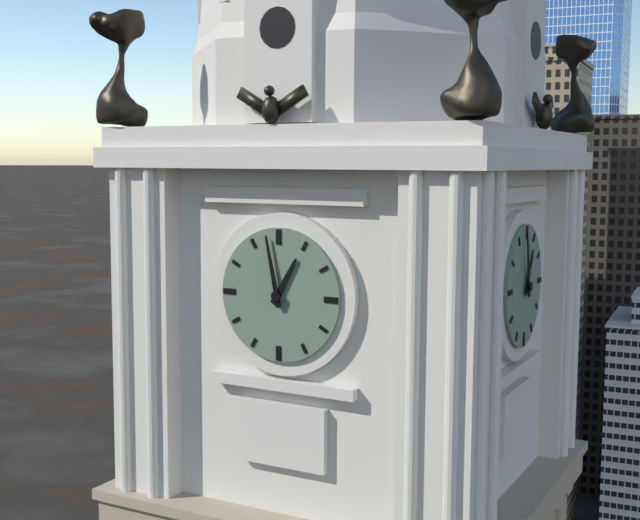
12:58
